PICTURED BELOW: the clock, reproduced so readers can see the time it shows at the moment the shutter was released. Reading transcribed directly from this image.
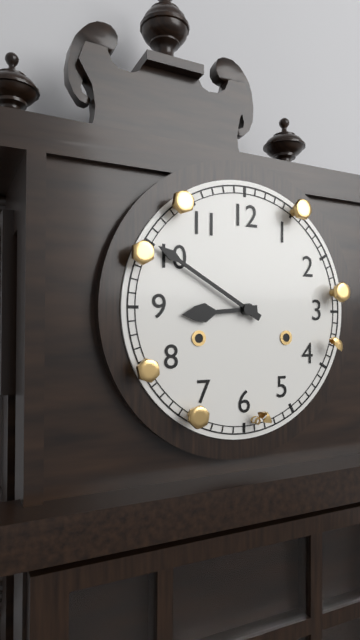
8:50
